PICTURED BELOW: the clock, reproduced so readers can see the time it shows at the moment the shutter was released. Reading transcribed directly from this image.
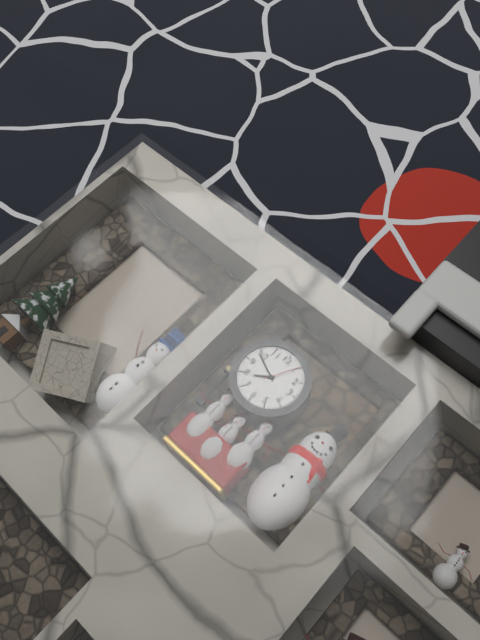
7:49
